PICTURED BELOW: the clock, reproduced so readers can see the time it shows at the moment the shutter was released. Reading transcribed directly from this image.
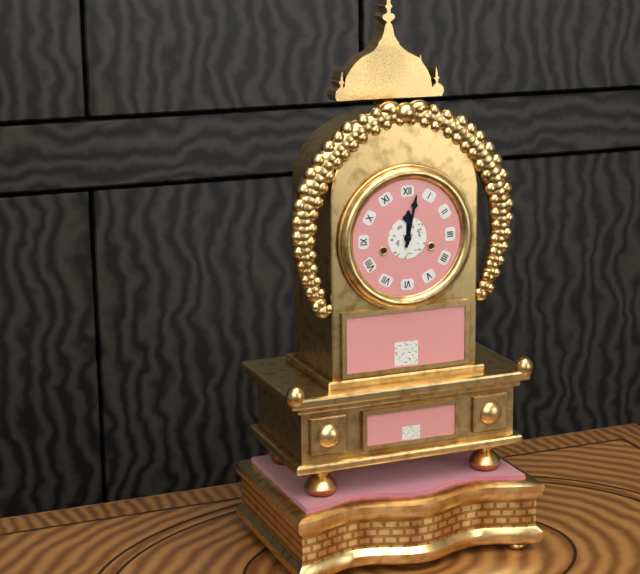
12:02
